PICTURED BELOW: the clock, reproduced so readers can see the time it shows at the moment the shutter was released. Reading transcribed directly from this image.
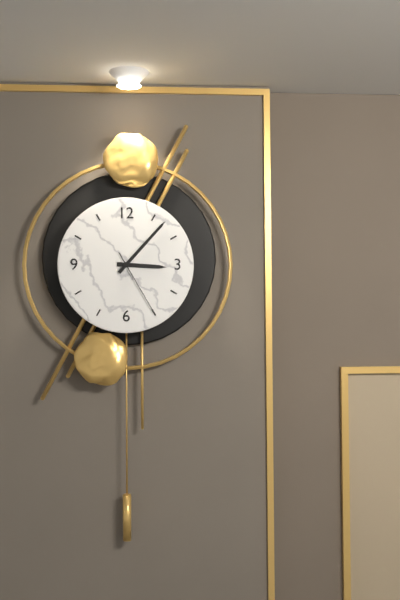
3:07:25
